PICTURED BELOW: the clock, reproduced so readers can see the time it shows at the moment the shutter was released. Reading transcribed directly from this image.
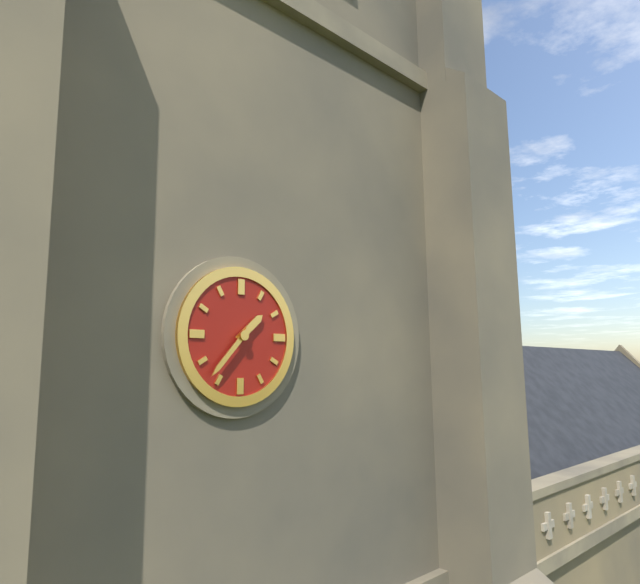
1:37
